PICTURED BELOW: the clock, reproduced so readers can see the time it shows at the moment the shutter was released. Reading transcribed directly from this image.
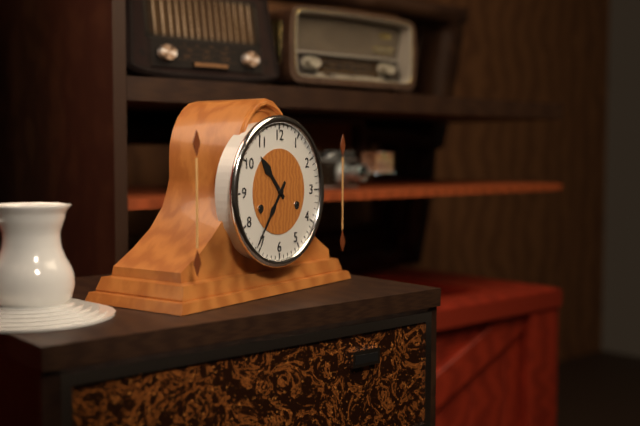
10:36
